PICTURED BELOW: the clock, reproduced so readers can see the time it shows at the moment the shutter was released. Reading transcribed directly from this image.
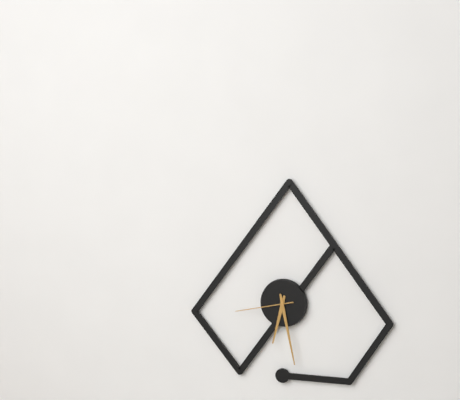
6:28:43
